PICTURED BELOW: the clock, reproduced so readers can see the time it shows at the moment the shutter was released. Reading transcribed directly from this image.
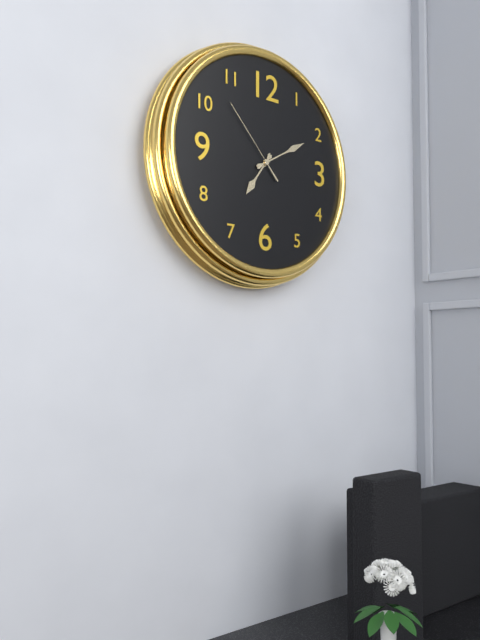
7:10:53
